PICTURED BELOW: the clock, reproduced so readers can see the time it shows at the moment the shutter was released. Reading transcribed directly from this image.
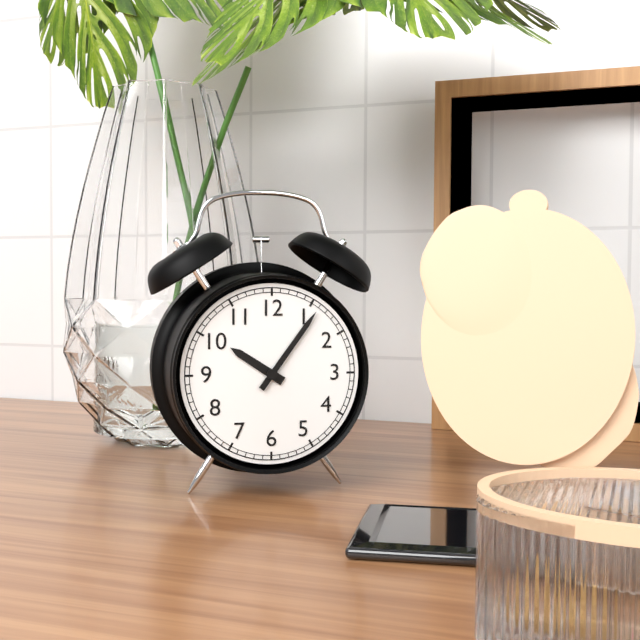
10:06
